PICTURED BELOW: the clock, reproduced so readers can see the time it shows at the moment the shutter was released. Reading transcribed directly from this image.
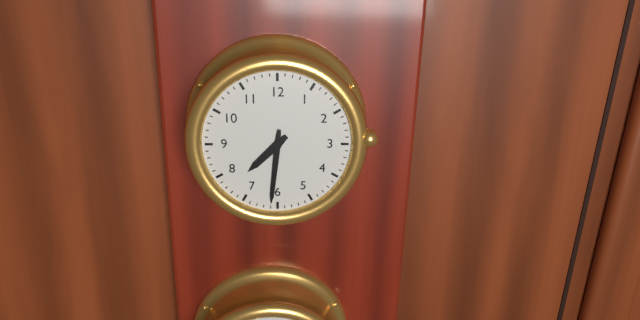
7:31
